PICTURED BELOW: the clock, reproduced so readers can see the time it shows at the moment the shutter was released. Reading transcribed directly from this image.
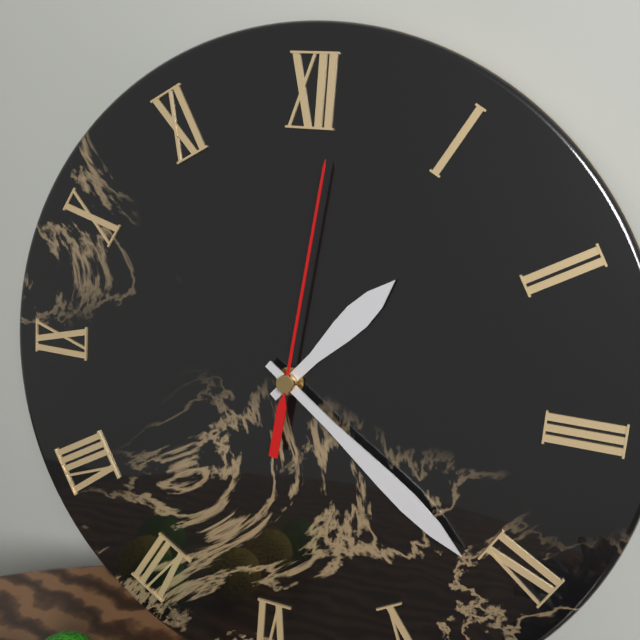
1:21:01
